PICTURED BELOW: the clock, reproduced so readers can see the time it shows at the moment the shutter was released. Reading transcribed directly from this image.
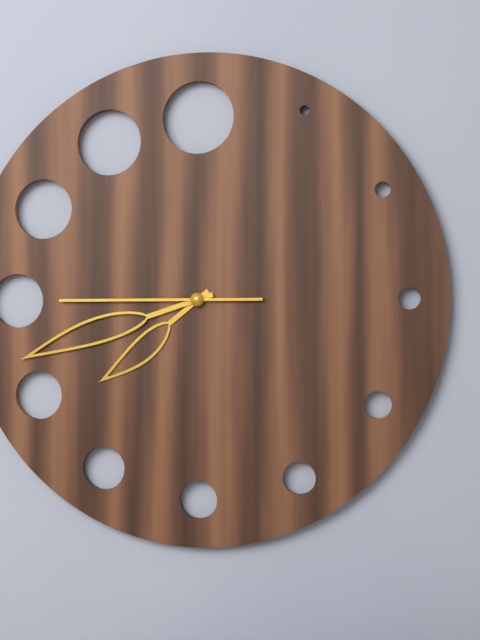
7:42:45
